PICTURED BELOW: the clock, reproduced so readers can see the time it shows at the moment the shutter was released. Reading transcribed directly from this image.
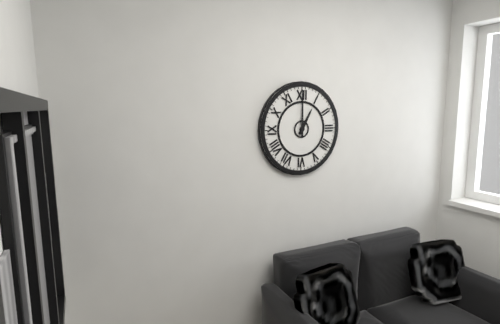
1:00
